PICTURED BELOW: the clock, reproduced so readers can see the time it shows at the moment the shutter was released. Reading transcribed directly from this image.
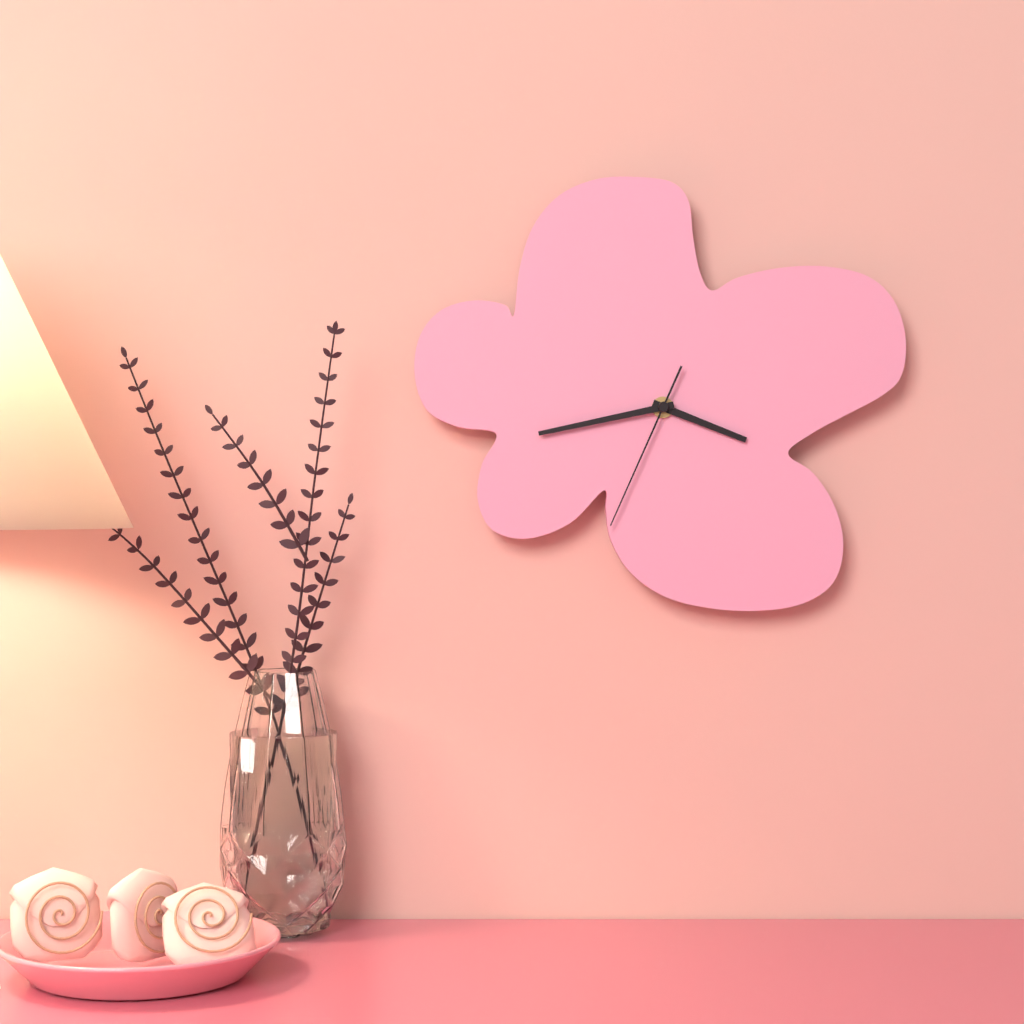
3:43:34
